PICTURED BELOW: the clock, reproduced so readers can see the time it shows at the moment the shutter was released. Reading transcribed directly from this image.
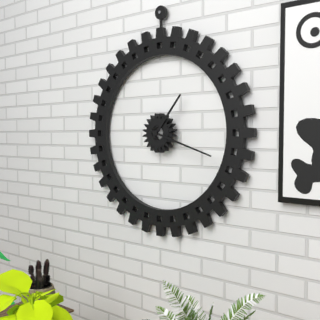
1:18
